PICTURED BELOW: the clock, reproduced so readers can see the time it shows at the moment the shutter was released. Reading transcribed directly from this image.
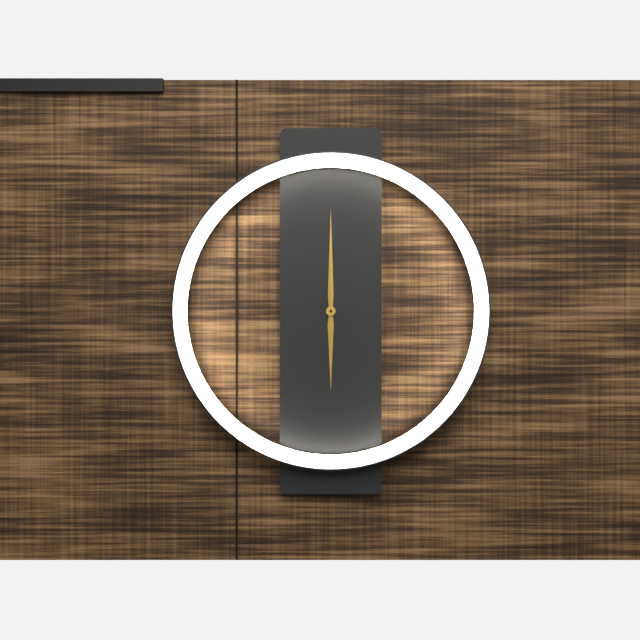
6:00
